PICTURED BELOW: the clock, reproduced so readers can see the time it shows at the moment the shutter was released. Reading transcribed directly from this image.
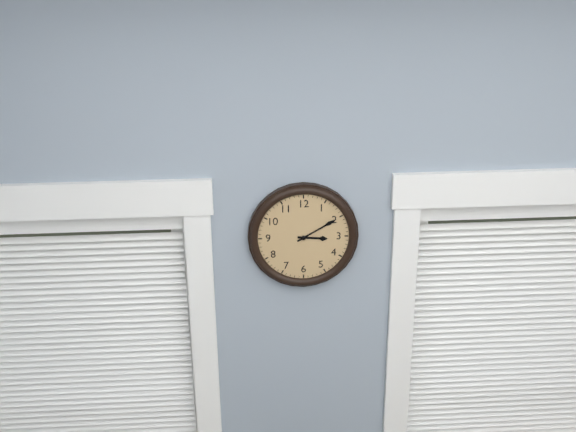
3:10
